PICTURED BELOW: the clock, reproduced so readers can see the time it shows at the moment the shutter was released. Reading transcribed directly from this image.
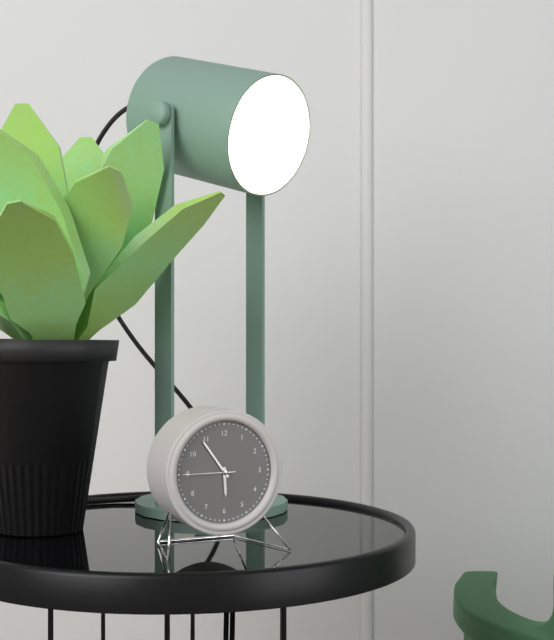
5:54:45
